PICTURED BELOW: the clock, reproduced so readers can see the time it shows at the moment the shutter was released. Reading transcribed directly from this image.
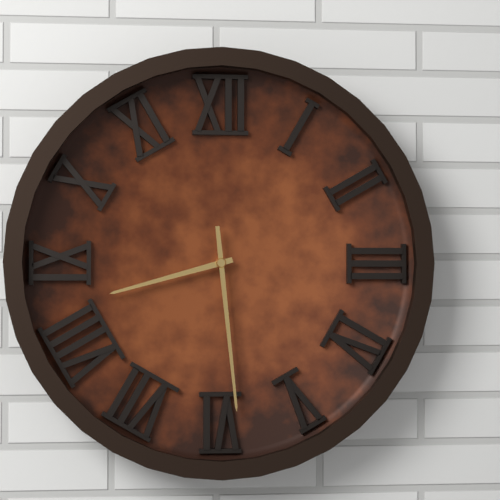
8:29
